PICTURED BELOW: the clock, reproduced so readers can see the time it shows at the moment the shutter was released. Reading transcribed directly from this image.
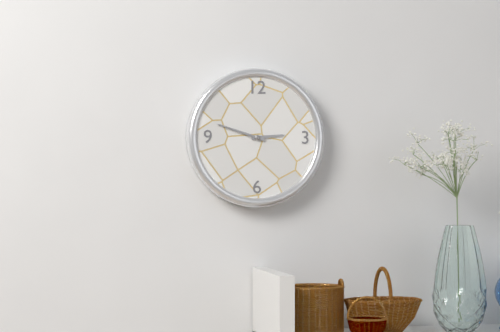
2:48
